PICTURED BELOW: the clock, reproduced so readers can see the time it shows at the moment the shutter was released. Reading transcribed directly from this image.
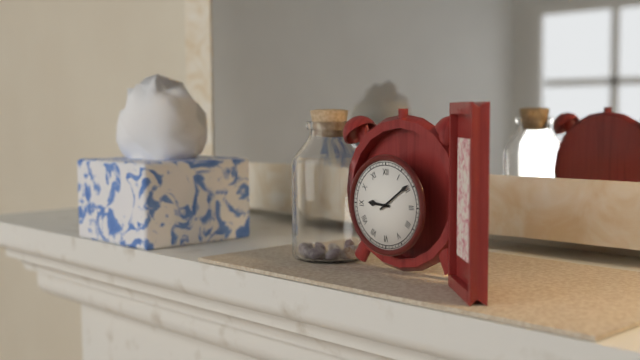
9:09
